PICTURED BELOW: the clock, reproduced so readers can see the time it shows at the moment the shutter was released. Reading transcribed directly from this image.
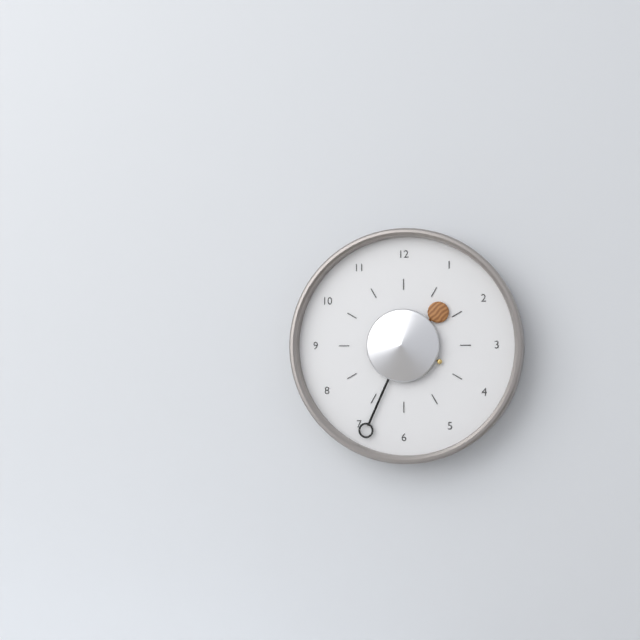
1:34
